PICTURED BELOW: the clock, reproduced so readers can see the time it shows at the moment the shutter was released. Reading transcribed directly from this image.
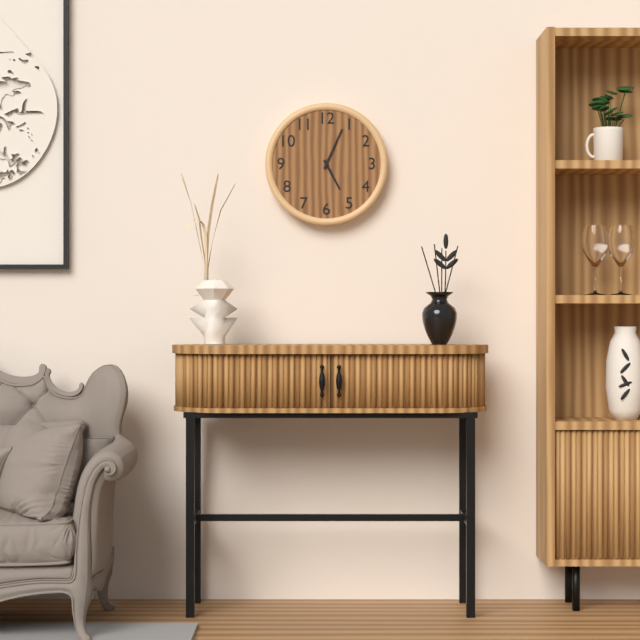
5:04
